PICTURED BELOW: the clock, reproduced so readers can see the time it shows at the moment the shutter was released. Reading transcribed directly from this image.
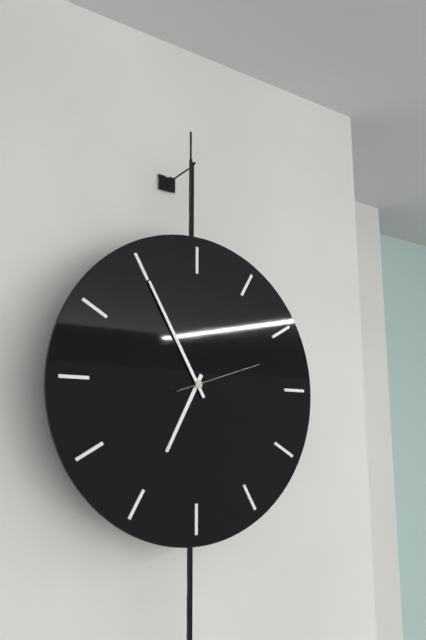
6:55:12
